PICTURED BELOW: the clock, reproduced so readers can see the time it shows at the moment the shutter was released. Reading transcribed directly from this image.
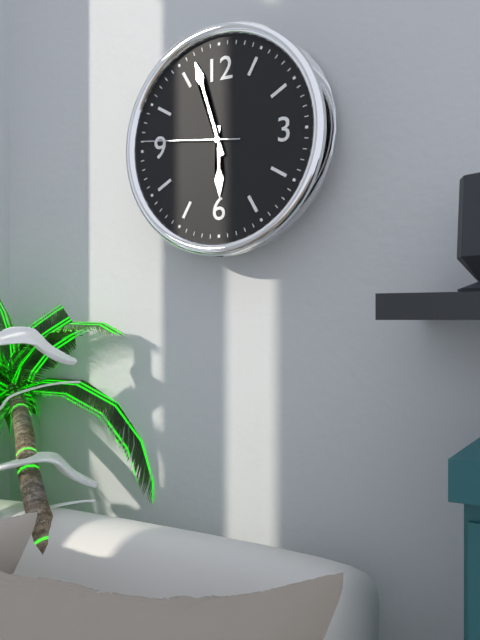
5:57:46
